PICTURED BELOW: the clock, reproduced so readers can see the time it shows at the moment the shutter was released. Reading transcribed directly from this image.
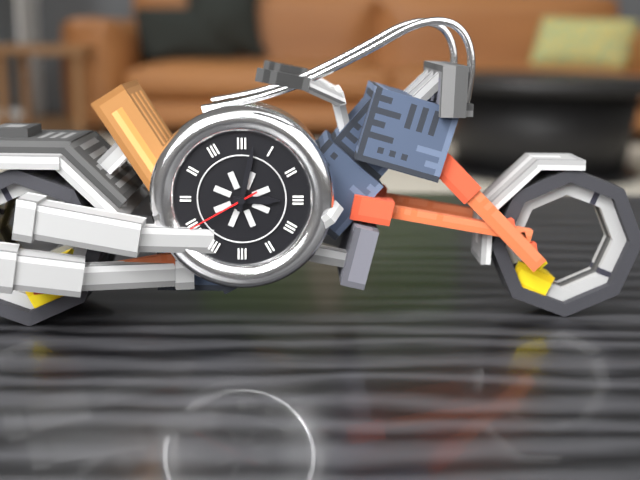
3:02:40
